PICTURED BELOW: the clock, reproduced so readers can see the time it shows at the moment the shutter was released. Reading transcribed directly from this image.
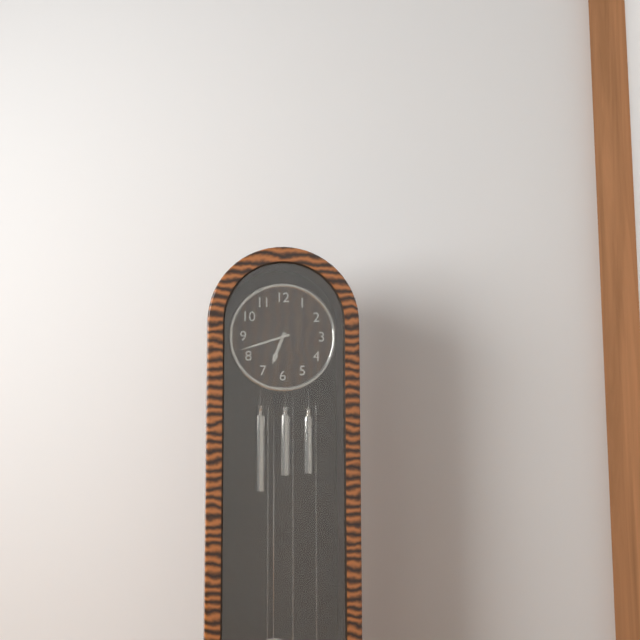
6:42
